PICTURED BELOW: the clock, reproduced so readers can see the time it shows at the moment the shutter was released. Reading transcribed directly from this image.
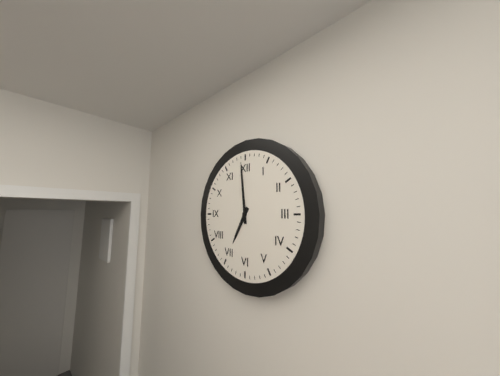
6:59
